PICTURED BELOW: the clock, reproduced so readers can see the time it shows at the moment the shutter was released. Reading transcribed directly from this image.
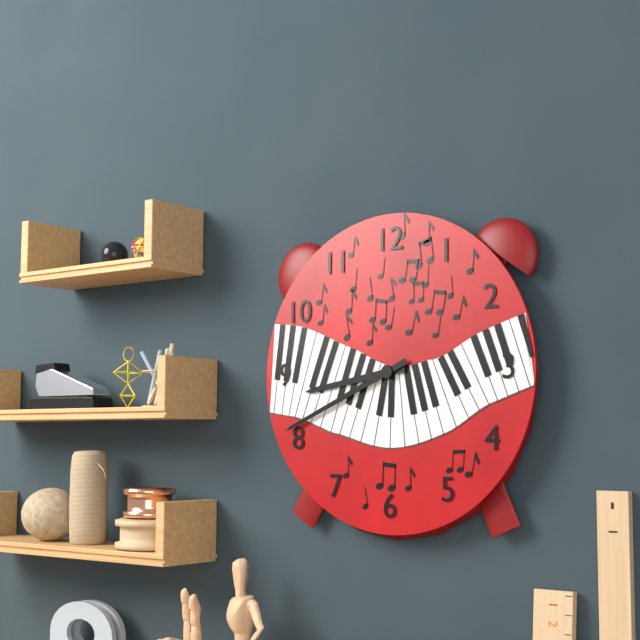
8:41
